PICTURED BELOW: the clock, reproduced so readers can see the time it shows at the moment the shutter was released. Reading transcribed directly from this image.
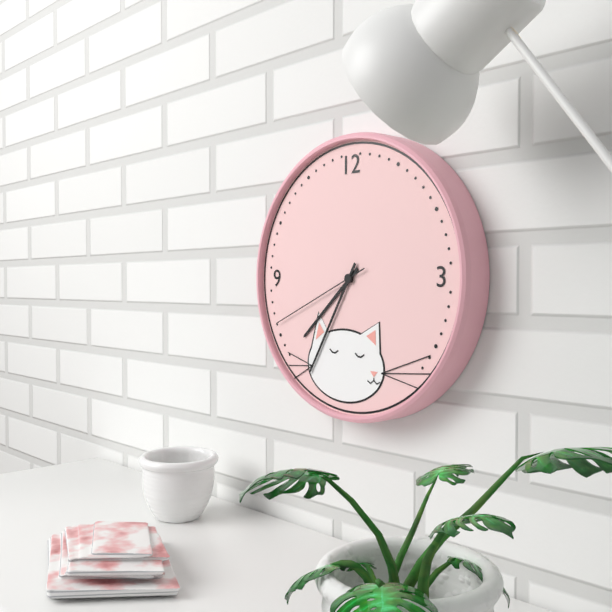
7:35:41
